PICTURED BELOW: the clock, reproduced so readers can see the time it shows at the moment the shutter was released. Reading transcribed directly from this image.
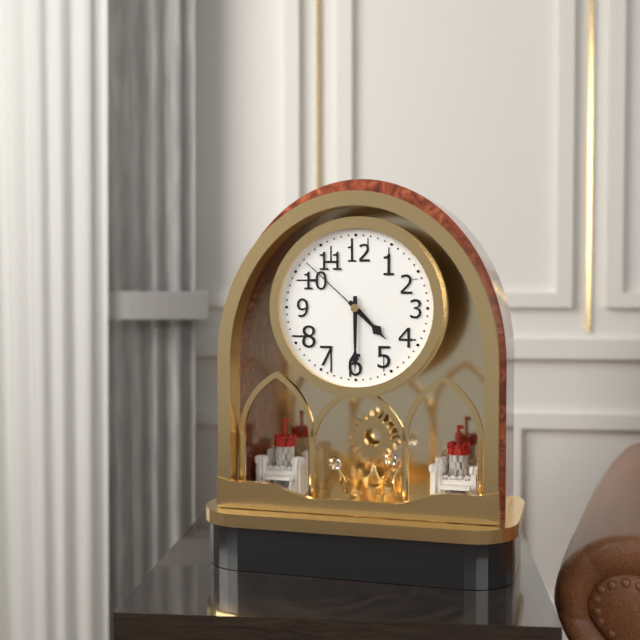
4:30:52
